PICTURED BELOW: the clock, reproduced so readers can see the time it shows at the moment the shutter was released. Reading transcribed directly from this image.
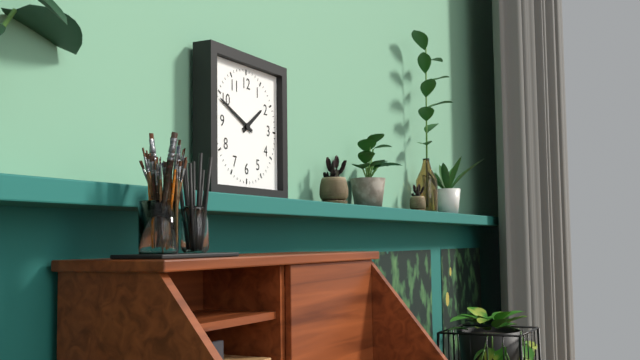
1:49
